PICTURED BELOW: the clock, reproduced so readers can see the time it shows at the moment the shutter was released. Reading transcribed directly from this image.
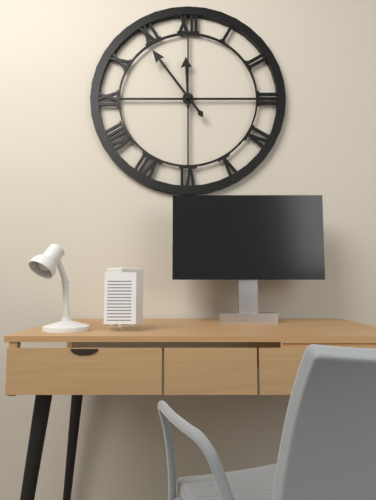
11:54
